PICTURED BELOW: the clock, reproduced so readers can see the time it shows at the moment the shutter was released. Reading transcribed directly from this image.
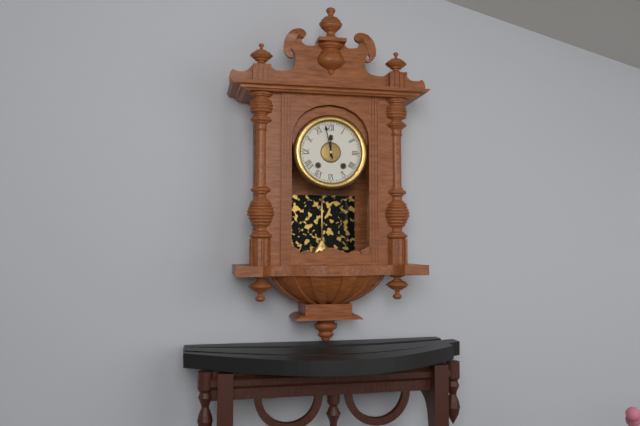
11:58
